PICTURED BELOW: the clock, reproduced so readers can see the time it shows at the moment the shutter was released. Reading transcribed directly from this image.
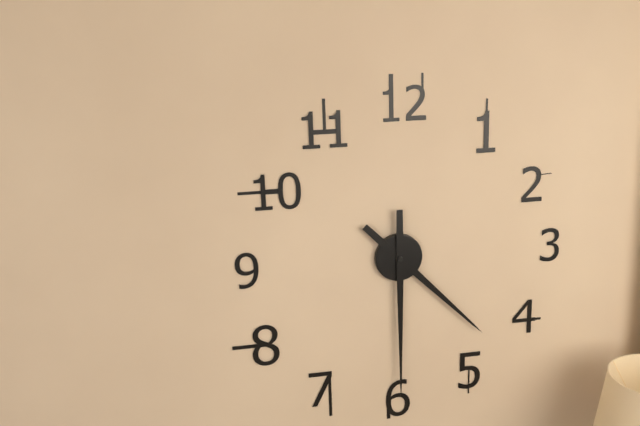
4:30
